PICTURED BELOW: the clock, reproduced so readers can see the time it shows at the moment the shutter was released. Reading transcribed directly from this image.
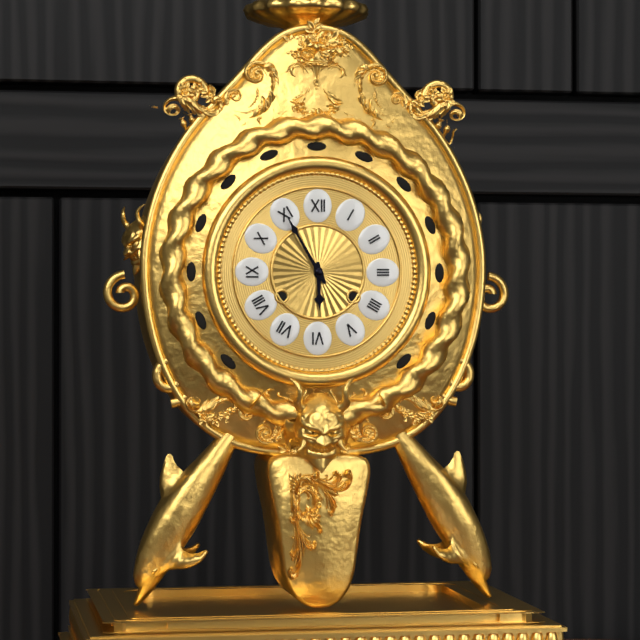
5:55
